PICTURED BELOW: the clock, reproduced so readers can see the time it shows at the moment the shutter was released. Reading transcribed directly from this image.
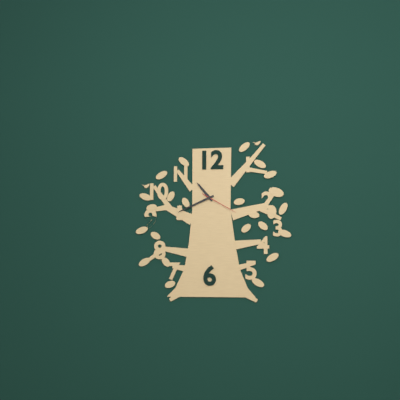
10:41
